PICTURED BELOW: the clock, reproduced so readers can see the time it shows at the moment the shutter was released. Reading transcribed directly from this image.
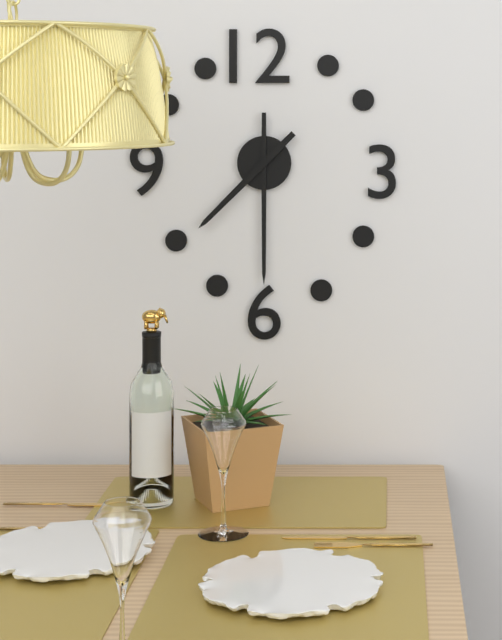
7:30
